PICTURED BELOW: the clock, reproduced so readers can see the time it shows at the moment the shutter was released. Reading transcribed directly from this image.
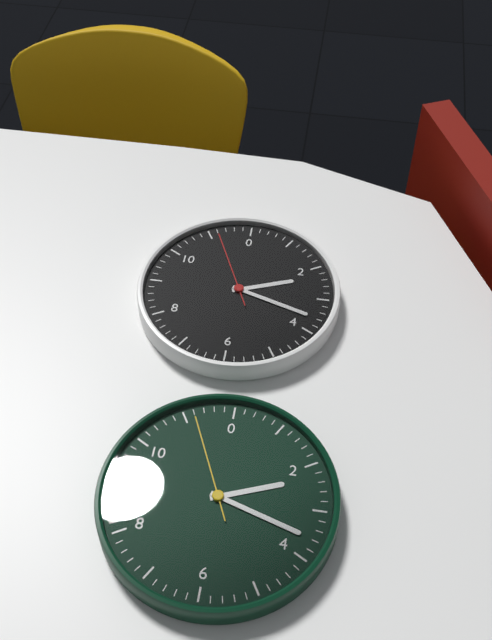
2:18:56
